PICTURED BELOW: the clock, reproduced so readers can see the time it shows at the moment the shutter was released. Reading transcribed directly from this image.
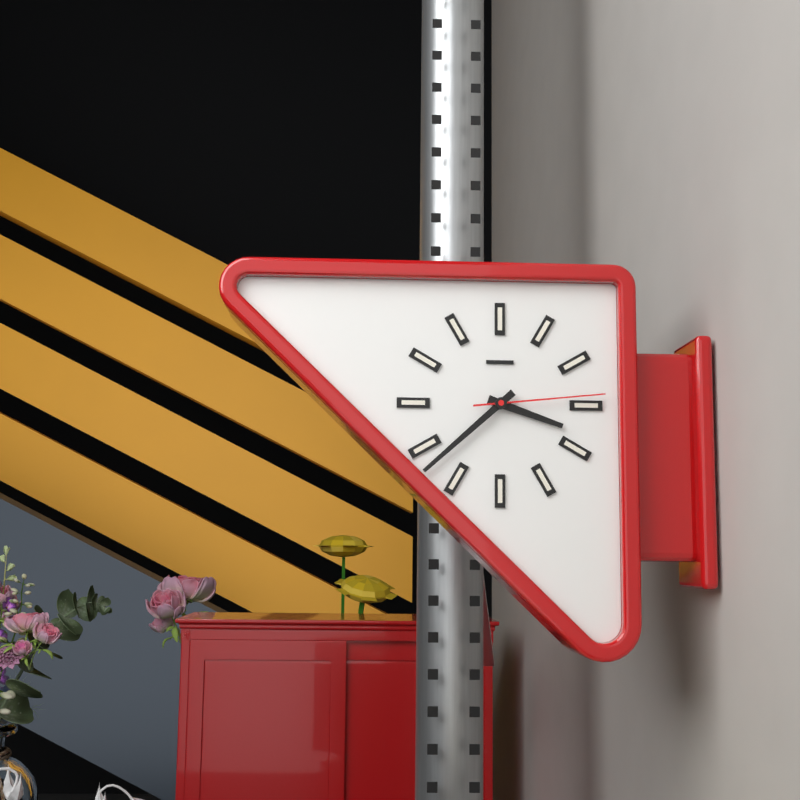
3:38:14
